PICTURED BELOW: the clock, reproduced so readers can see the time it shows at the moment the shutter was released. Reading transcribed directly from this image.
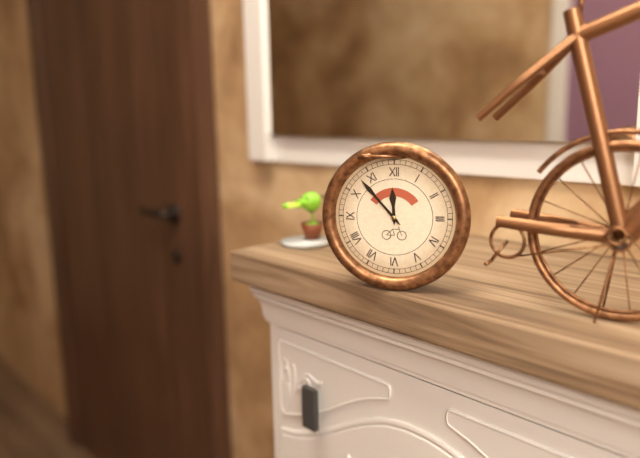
11:53
